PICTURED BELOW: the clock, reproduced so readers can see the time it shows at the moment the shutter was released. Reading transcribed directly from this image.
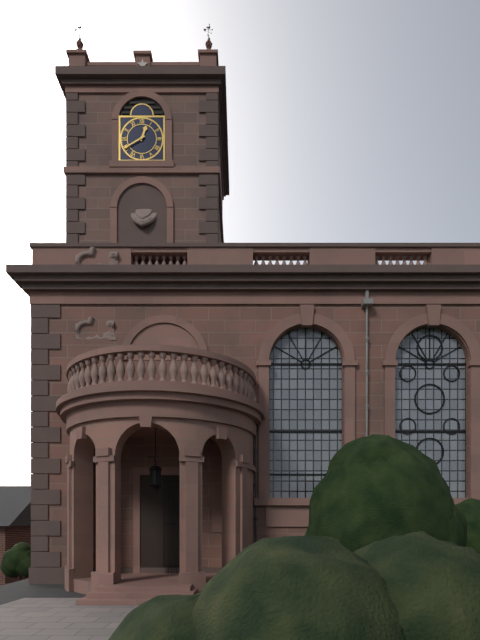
12:40
